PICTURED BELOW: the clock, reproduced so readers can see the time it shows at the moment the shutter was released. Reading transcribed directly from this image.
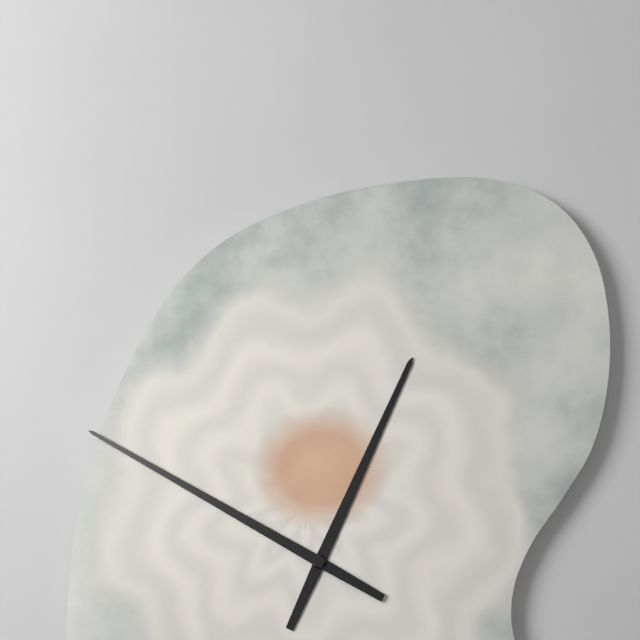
12:50
